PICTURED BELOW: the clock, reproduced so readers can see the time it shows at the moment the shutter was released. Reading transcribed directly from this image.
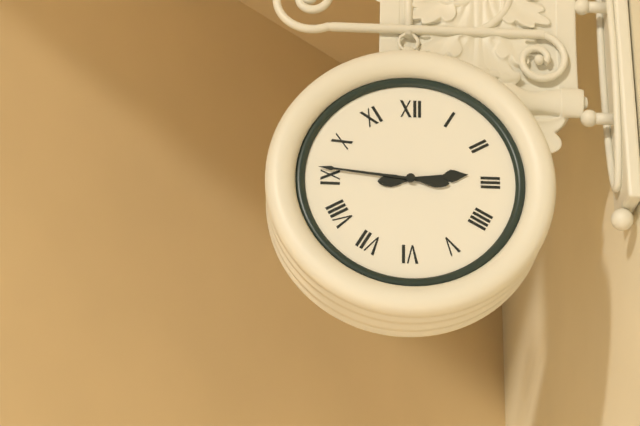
2:46
